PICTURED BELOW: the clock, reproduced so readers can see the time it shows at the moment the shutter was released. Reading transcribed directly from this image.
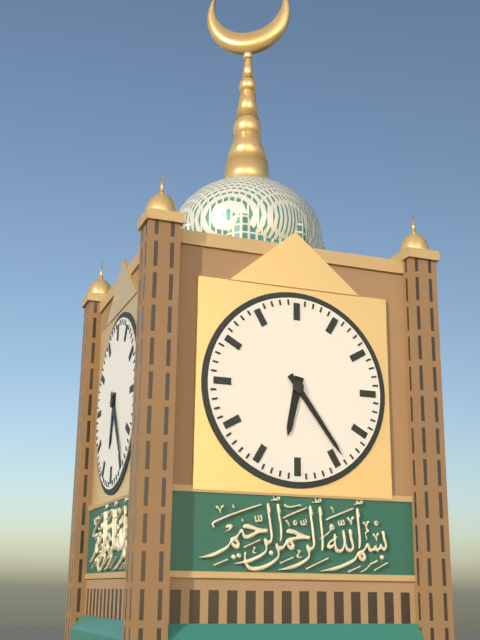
6:24
